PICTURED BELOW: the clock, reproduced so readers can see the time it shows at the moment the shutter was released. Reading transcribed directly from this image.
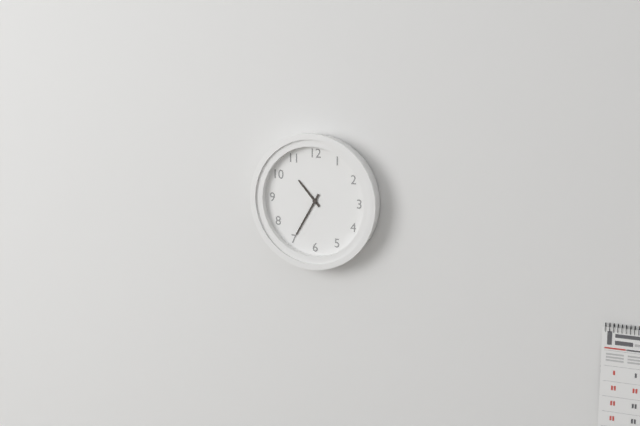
10:35
